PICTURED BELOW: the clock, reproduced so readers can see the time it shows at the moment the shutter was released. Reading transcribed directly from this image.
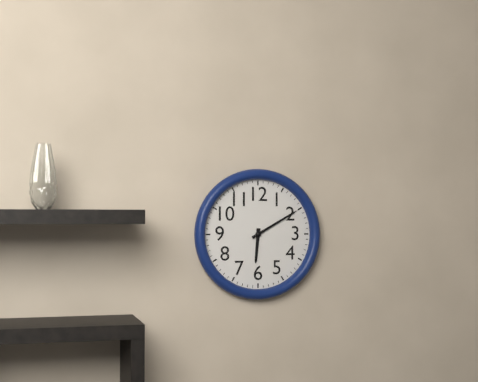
6:10
